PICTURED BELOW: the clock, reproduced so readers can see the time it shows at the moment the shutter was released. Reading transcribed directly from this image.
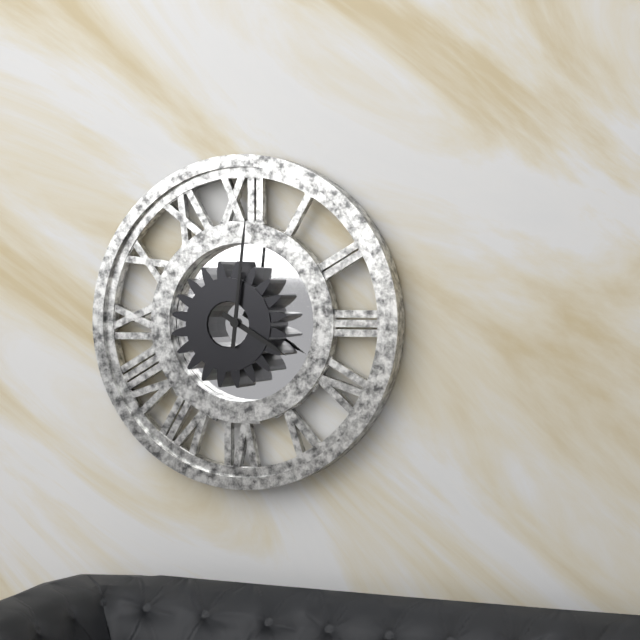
4:01
